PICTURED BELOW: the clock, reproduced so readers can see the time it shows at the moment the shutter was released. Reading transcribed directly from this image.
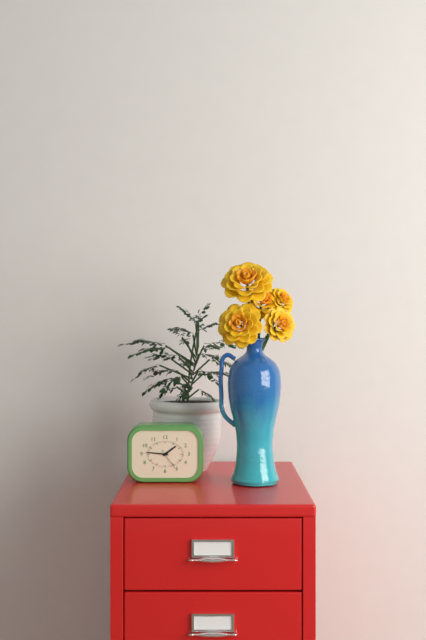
1:46
